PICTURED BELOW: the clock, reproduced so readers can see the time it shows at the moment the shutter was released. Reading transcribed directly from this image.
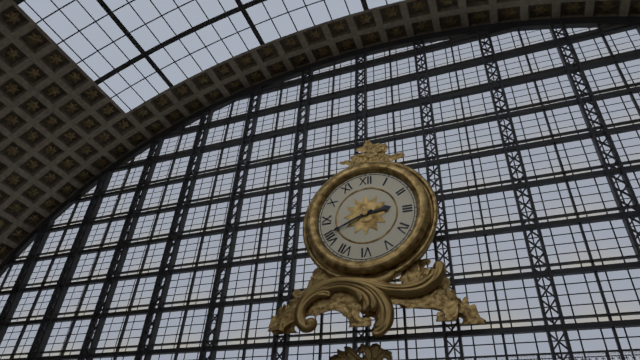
2:41
